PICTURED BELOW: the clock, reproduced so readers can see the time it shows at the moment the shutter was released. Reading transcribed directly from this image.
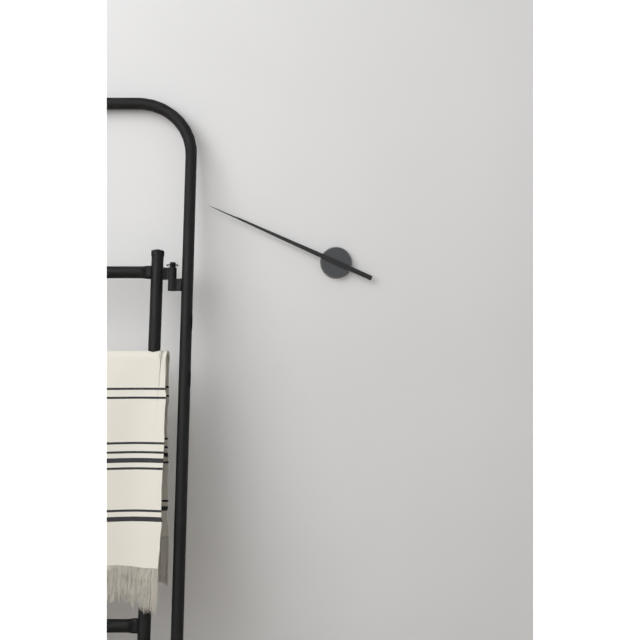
9:49
